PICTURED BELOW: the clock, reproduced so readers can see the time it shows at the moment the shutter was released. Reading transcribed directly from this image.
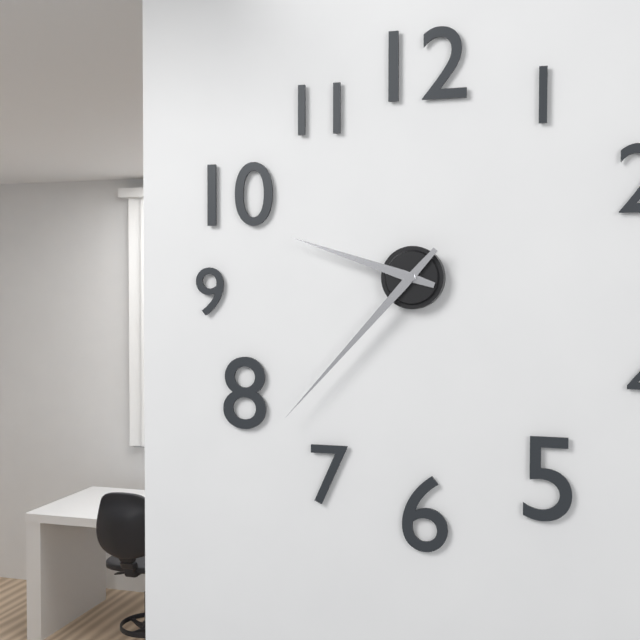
9:37
